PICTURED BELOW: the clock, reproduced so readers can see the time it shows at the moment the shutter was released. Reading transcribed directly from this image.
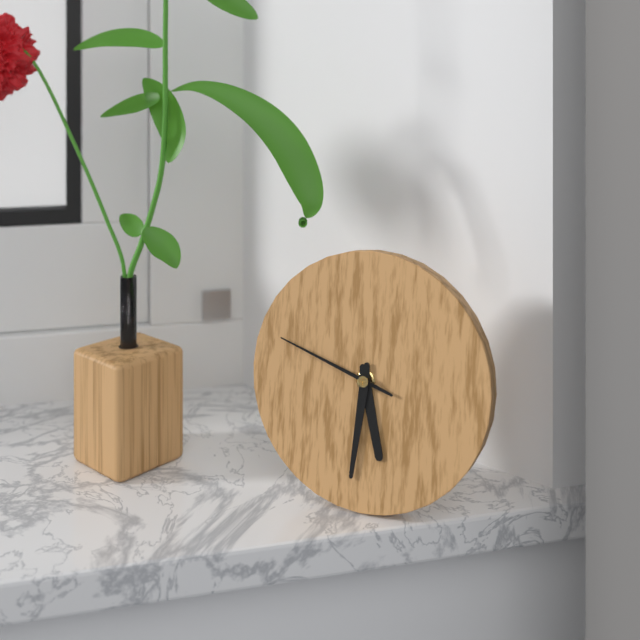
5:31:48
